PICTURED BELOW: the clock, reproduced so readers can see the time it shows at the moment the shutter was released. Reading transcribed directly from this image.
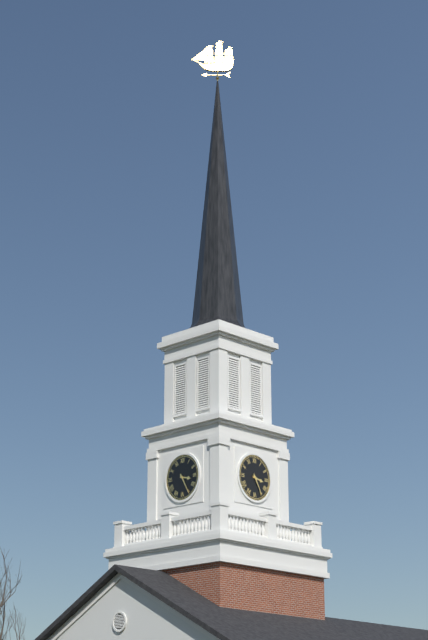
3:25
